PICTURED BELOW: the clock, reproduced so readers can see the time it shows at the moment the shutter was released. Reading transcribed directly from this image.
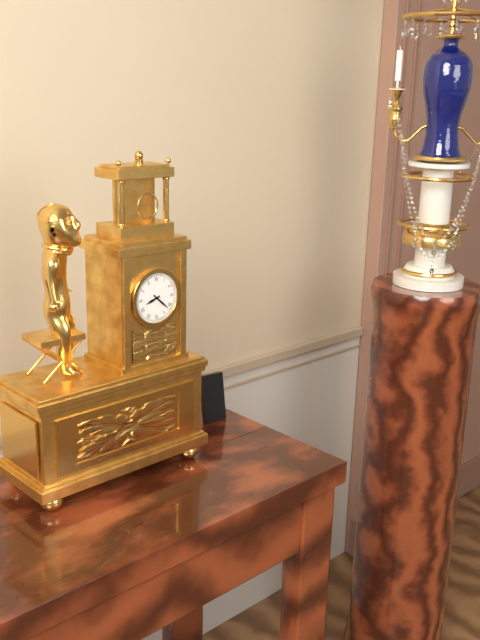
8:22
